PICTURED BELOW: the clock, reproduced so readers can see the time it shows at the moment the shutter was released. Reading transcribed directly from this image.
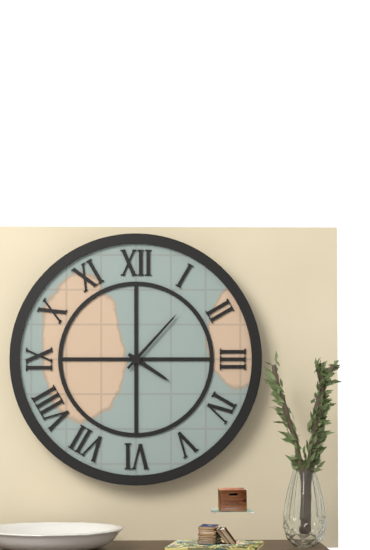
4:07
